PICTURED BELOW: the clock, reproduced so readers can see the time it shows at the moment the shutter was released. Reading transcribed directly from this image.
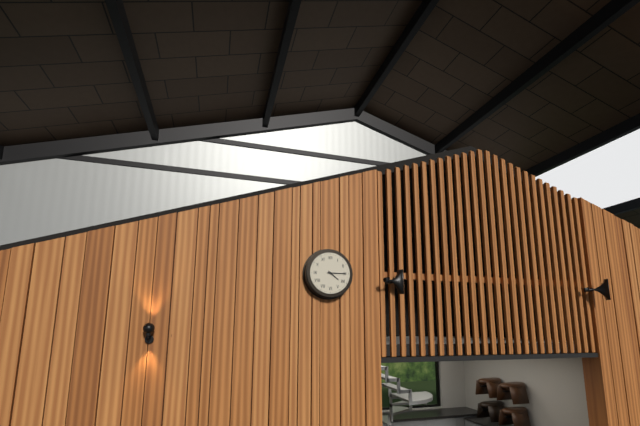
4:15
